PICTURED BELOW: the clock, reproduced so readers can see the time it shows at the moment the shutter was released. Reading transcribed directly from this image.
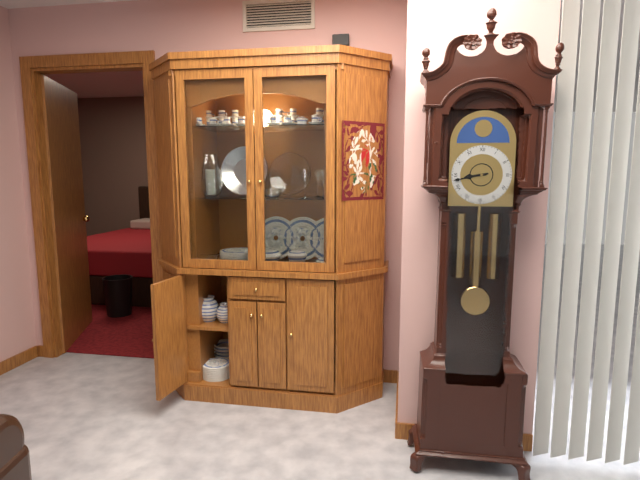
8:43
